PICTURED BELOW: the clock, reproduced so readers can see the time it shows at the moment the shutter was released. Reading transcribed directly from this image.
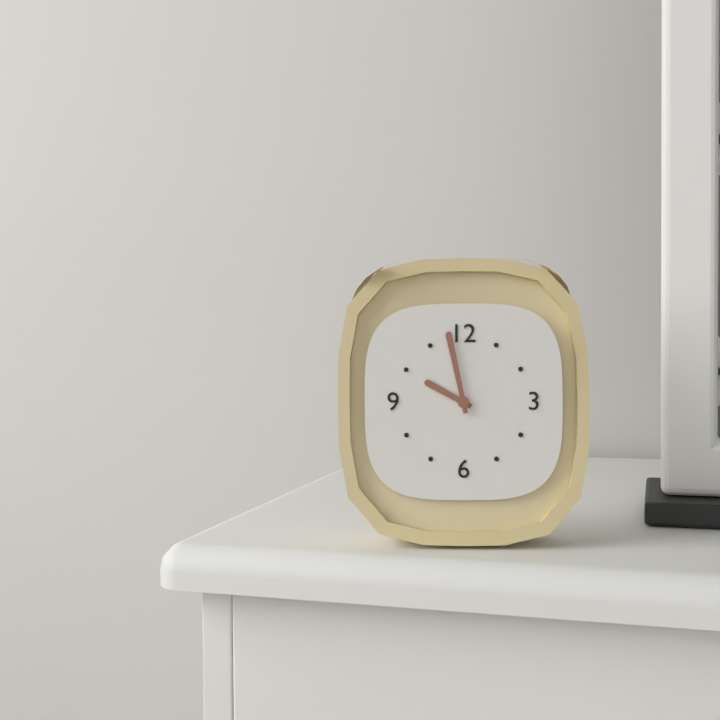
9:58
